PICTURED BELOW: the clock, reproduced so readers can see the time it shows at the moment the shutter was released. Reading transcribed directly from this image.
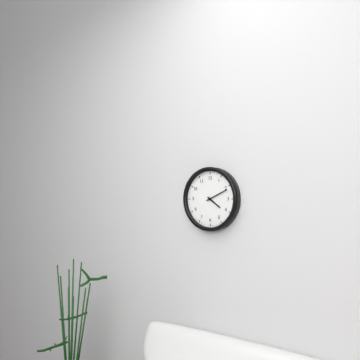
4:11
